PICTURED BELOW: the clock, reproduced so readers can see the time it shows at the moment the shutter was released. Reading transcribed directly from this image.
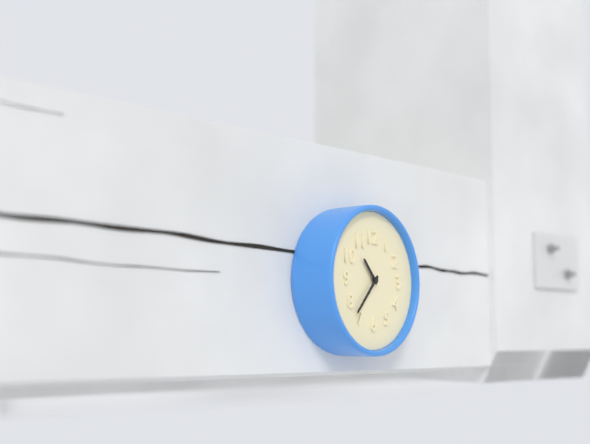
10:37
